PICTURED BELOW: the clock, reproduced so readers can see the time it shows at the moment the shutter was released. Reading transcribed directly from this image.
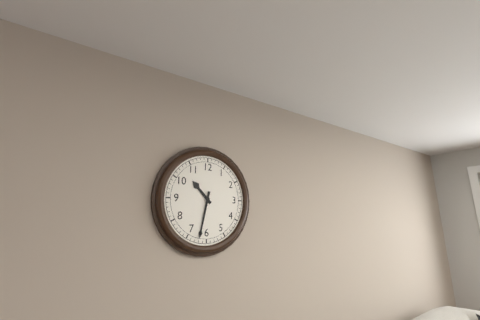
10:32
